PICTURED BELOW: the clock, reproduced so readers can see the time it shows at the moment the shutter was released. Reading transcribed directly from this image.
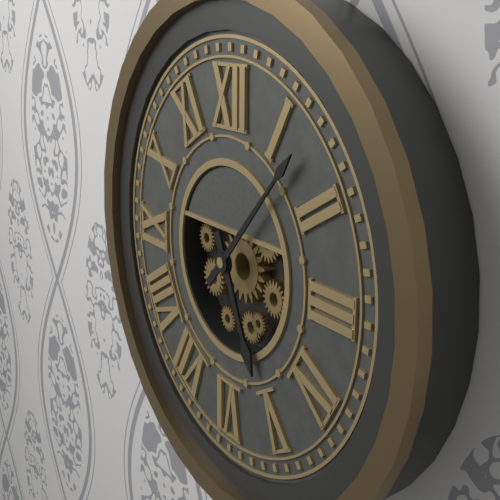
5:07
